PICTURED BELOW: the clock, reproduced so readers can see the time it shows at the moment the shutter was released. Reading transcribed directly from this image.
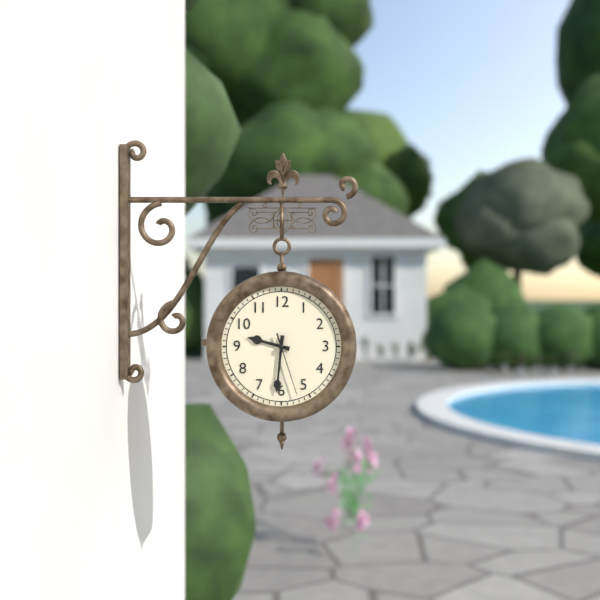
9:31:27
